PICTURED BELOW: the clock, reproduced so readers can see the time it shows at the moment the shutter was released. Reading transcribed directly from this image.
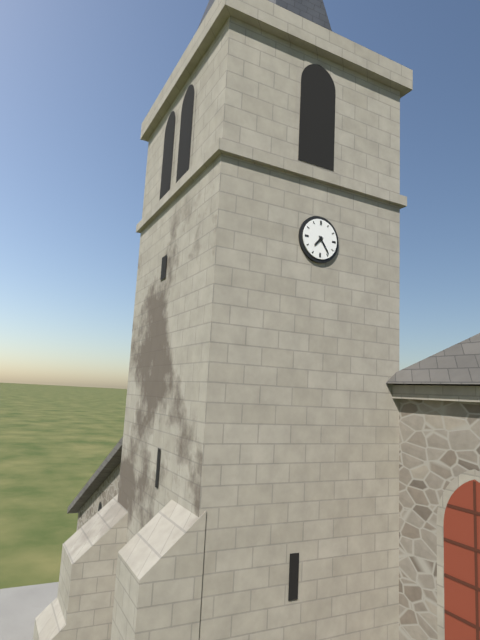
7:24
